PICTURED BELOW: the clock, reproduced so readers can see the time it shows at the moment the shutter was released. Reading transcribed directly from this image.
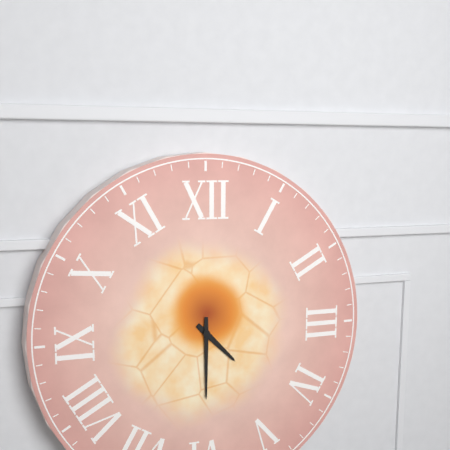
4:30
